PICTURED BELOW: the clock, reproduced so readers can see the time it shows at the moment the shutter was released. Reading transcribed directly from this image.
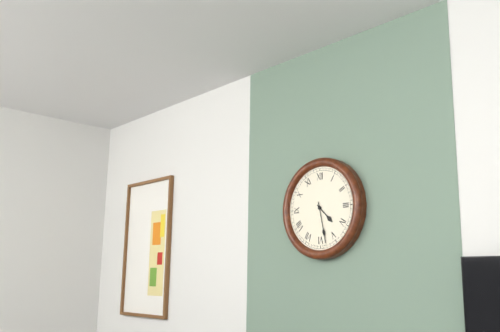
4:28
